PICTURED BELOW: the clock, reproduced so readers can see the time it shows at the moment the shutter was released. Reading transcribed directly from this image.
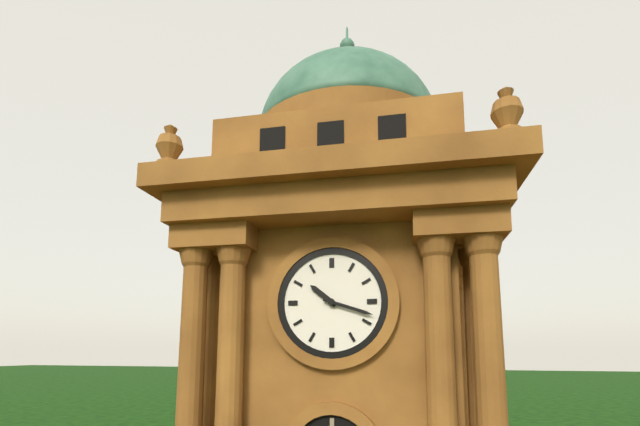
10:18
